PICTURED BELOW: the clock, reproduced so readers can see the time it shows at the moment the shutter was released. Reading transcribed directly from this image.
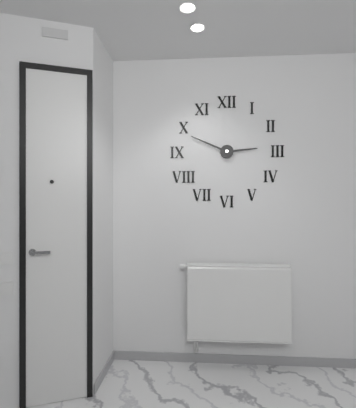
2:49
